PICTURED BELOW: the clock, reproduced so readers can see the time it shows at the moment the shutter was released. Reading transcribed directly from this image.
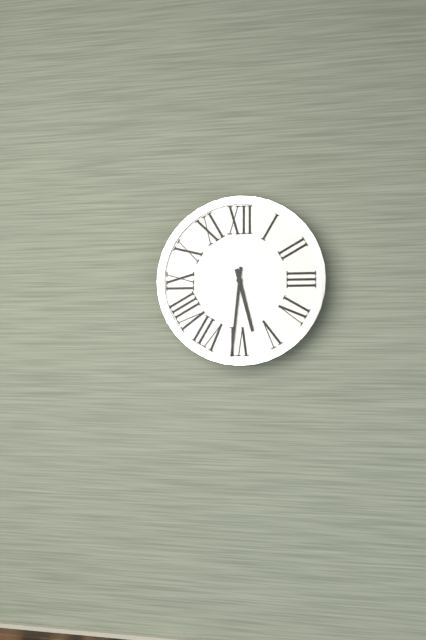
5:31
